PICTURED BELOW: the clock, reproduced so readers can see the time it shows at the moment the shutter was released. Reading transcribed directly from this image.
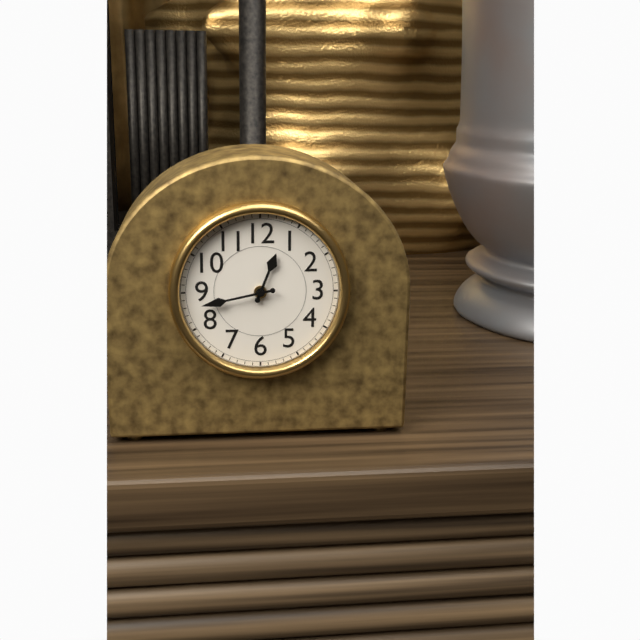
12:43
